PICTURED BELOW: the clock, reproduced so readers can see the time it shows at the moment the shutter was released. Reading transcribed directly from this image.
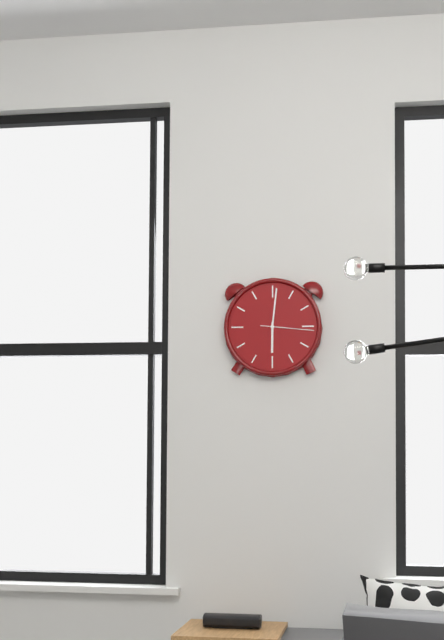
6:01:16
